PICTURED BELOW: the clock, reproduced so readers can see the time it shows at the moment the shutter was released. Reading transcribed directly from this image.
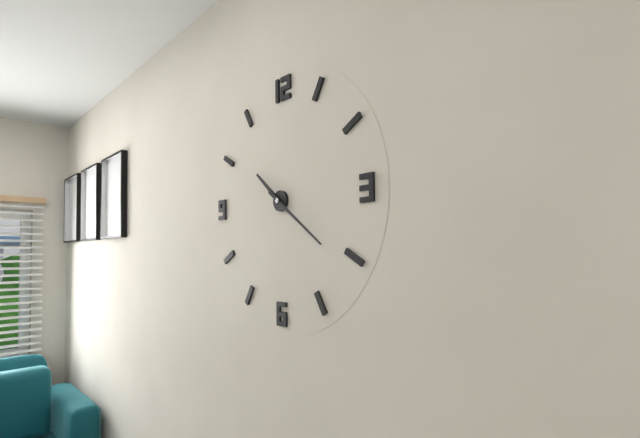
10:21
